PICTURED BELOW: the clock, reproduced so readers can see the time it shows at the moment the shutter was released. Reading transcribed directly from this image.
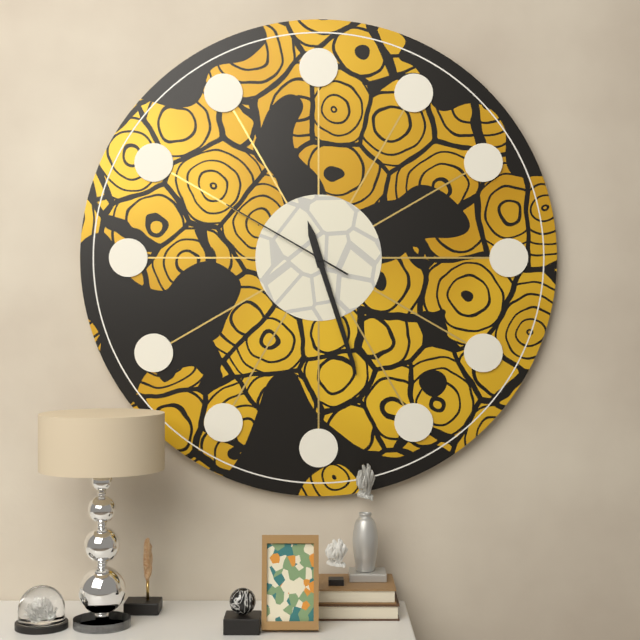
11:27:50
